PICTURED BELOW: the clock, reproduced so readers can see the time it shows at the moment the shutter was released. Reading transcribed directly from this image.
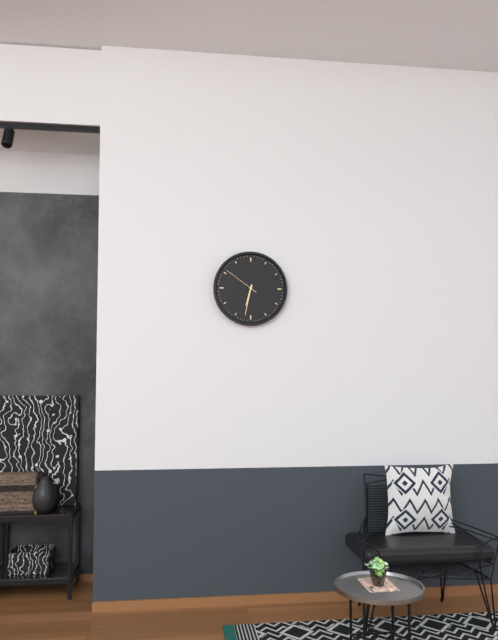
6:32
